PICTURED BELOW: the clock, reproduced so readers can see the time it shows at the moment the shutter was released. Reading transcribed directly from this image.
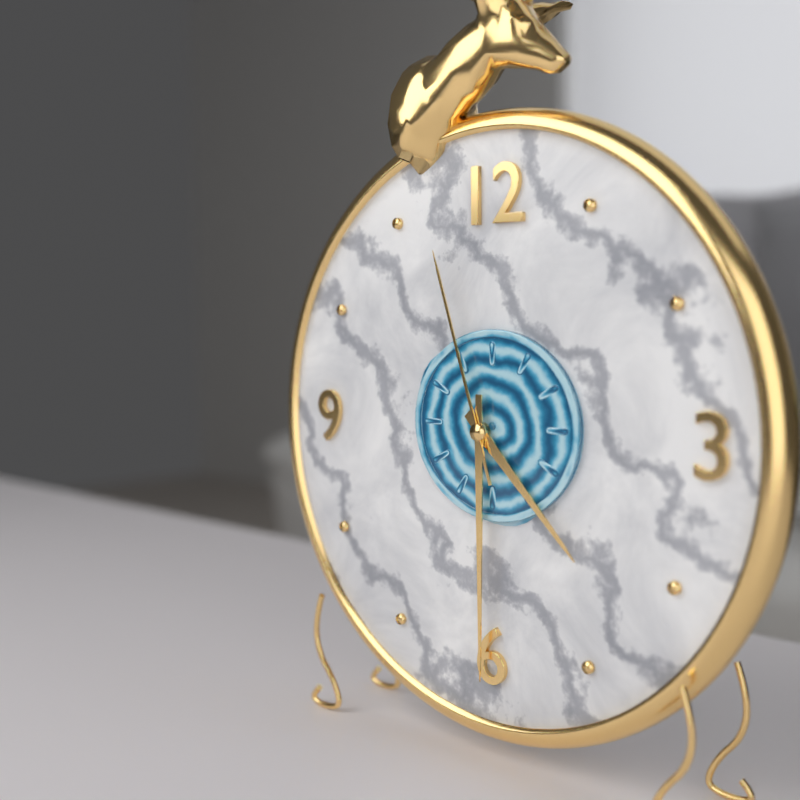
4:30:57
